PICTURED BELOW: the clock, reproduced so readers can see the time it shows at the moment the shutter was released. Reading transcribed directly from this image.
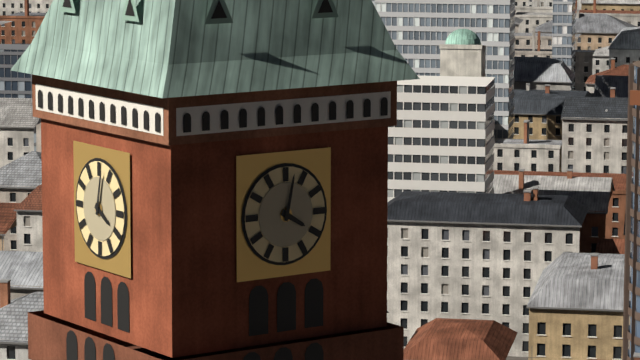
4:02
